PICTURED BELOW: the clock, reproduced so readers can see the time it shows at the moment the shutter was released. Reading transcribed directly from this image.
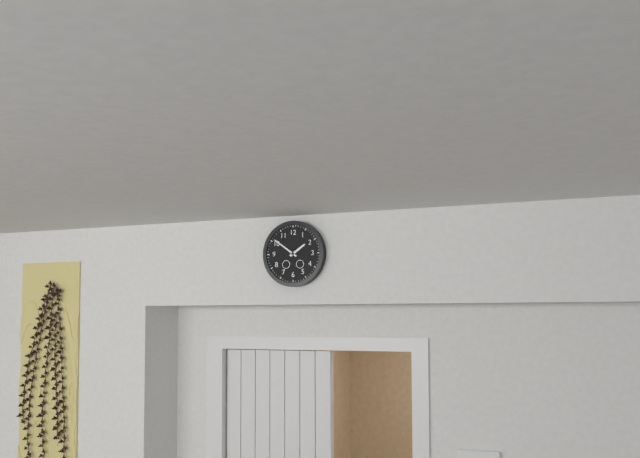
1:51
